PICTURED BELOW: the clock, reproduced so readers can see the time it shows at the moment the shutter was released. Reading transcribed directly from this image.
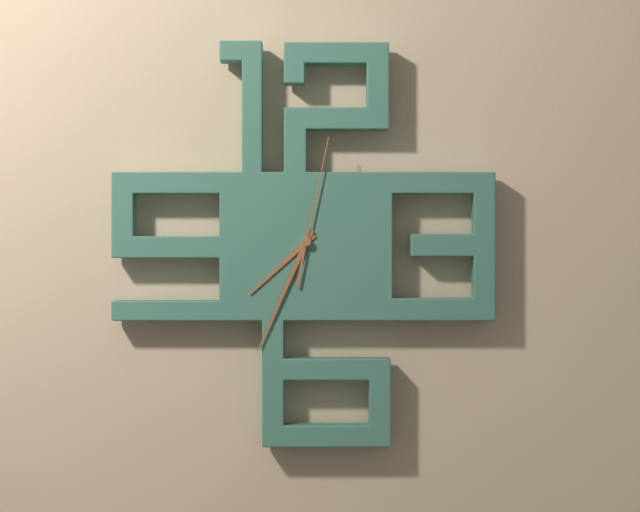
7:34:02
